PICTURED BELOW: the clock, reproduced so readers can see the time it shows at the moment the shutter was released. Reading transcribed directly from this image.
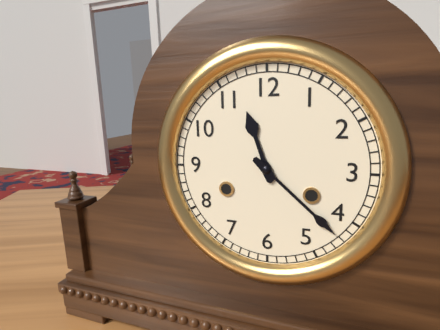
11:22
